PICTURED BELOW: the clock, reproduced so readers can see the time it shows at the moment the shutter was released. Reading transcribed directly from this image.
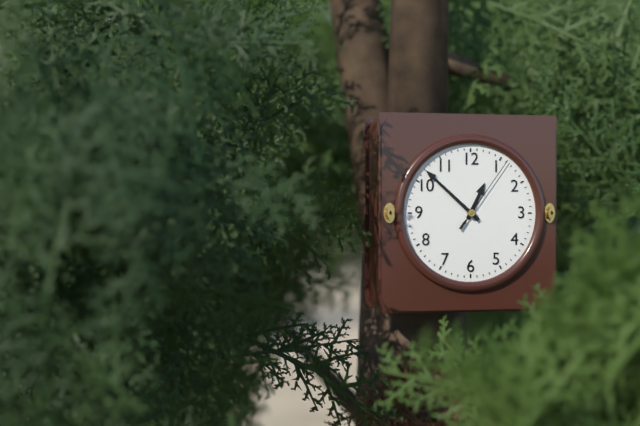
12:52:06
